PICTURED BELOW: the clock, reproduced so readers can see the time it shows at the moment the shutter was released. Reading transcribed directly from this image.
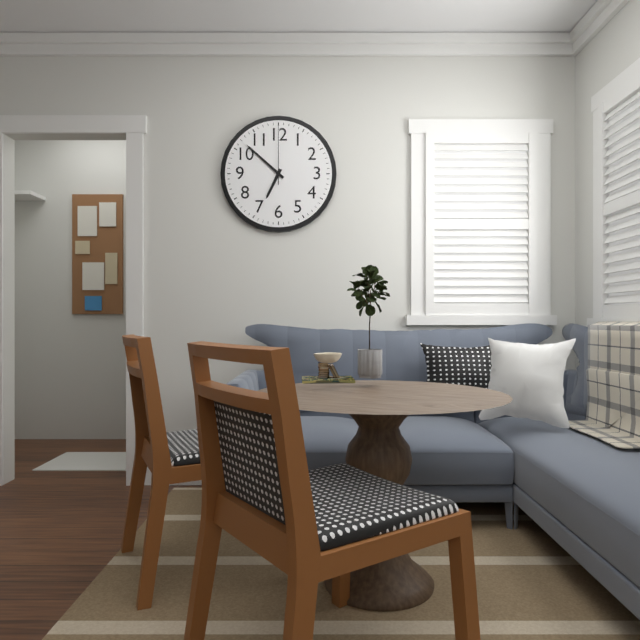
6:52:00
